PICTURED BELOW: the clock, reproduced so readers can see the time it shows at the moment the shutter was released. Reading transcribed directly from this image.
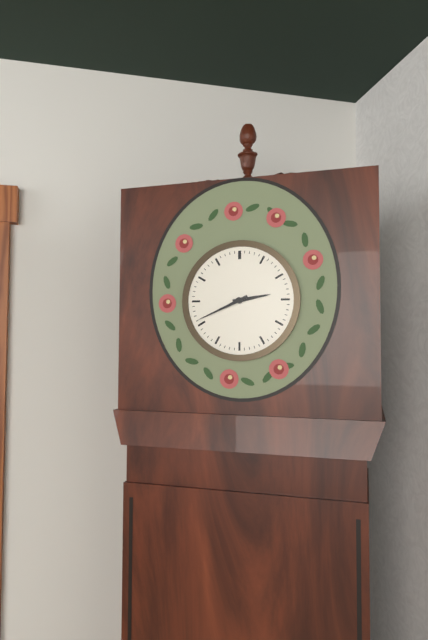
2:41
